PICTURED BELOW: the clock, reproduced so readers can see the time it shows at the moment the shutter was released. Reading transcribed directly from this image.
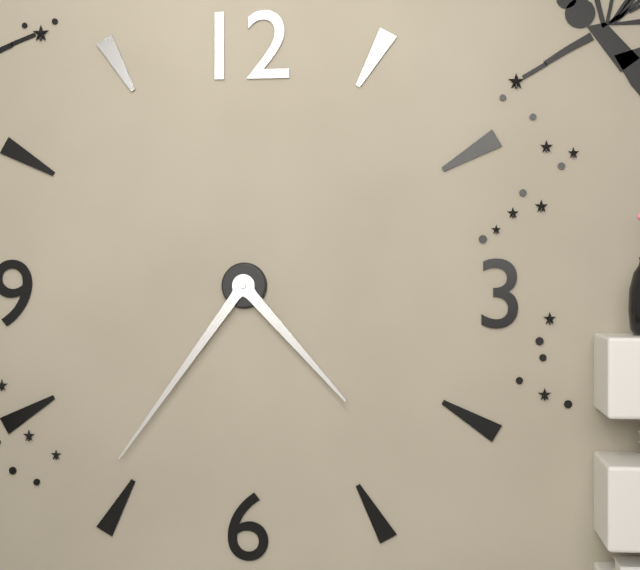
4:36
